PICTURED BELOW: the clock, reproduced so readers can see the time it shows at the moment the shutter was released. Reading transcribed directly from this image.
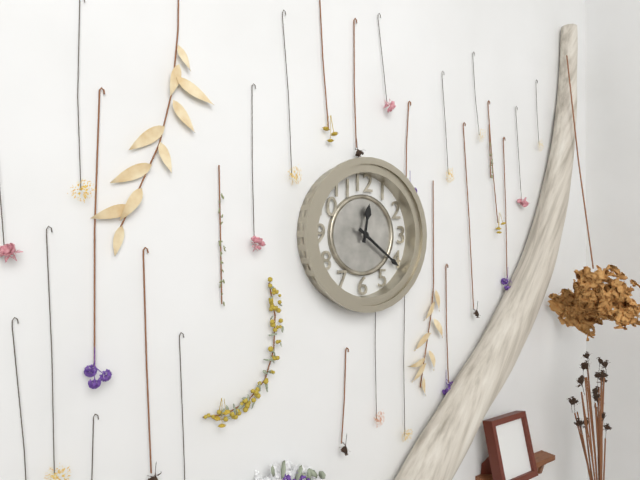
12:21
